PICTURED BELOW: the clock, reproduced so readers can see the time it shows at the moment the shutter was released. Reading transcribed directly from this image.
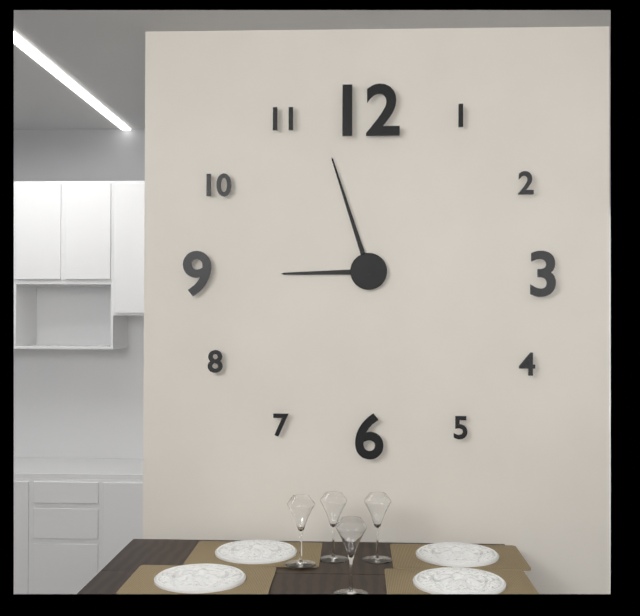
8:57
